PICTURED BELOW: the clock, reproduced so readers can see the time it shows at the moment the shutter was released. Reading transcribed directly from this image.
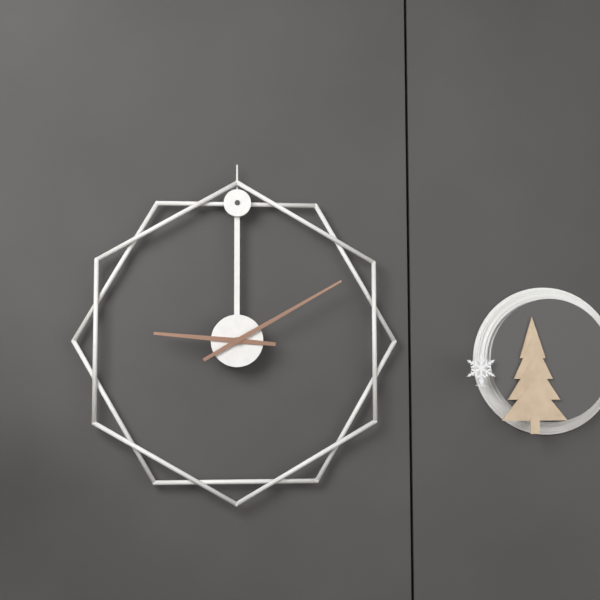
9:10
